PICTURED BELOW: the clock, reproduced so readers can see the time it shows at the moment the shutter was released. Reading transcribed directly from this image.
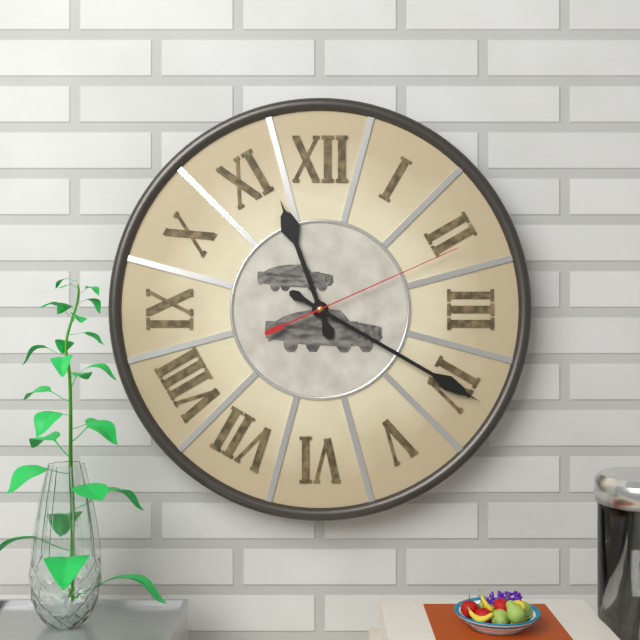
11:20:11
